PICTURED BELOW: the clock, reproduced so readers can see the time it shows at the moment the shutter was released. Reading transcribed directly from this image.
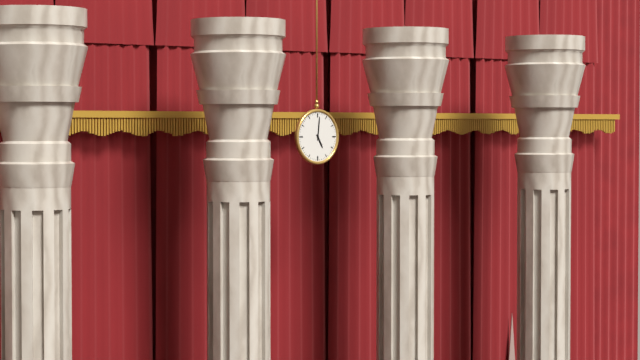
5:01
